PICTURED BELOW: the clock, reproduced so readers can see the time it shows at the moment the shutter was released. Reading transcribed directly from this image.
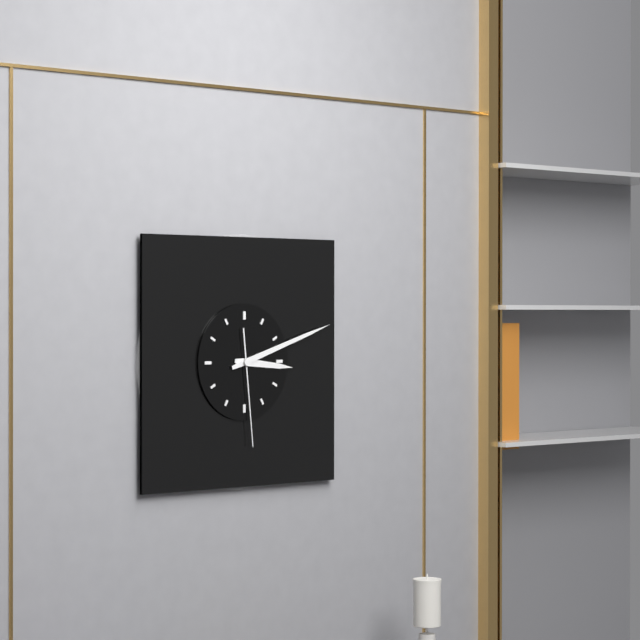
3:12:29
